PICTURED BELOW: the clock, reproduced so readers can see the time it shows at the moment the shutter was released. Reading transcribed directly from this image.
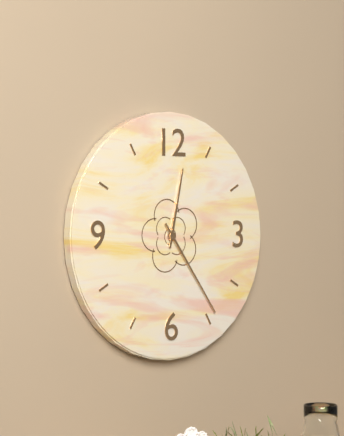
12:24
